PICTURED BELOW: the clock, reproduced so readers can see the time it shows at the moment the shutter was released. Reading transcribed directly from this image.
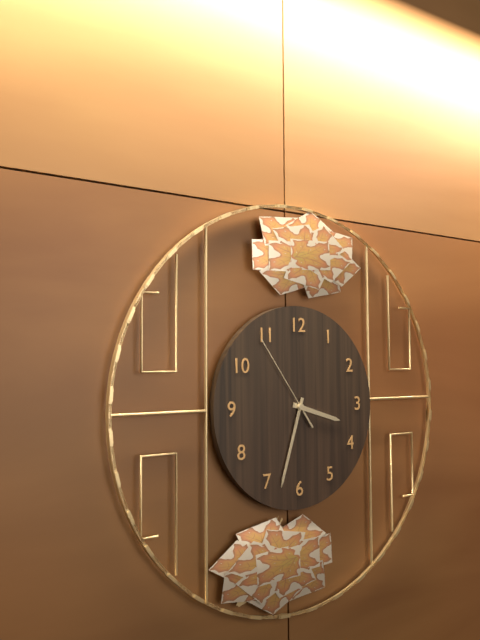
3:33:54
